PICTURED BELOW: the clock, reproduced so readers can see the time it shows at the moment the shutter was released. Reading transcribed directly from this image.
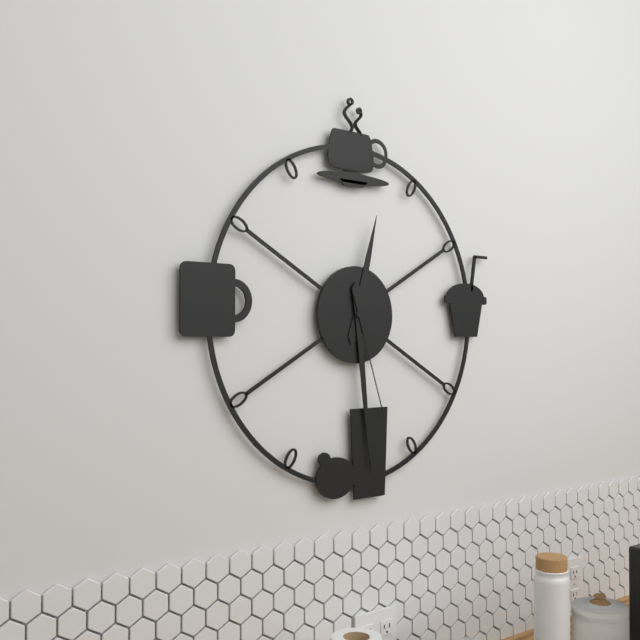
12:29:27
